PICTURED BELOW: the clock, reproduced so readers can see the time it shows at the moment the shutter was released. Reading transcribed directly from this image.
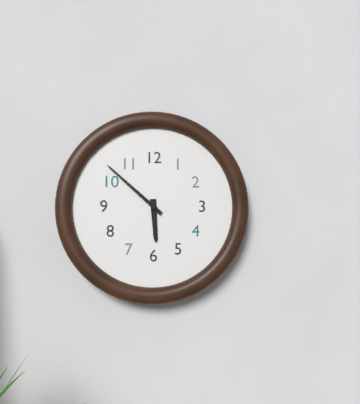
5:52
